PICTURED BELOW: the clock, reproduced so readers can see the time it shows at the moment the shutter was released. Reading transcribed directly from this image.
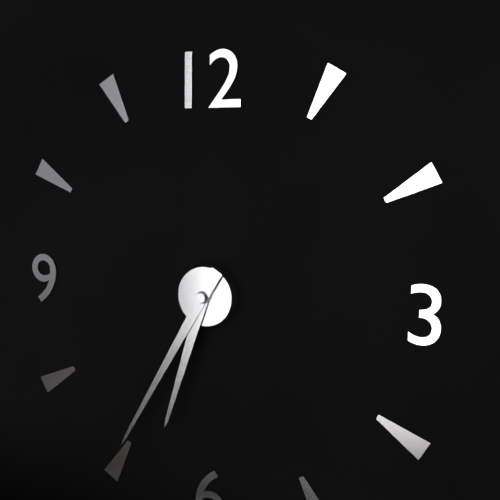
6:35
